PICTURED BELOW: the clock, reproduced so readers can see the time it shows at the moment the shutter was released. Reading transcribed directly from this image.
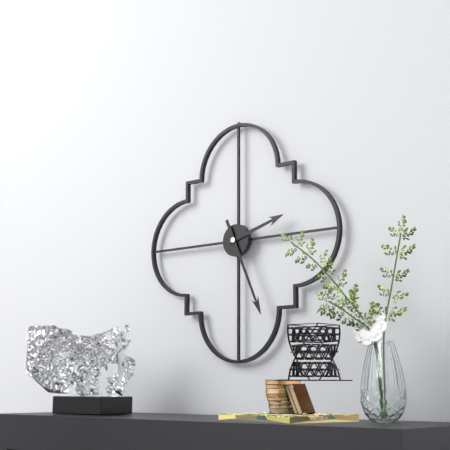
2:26
